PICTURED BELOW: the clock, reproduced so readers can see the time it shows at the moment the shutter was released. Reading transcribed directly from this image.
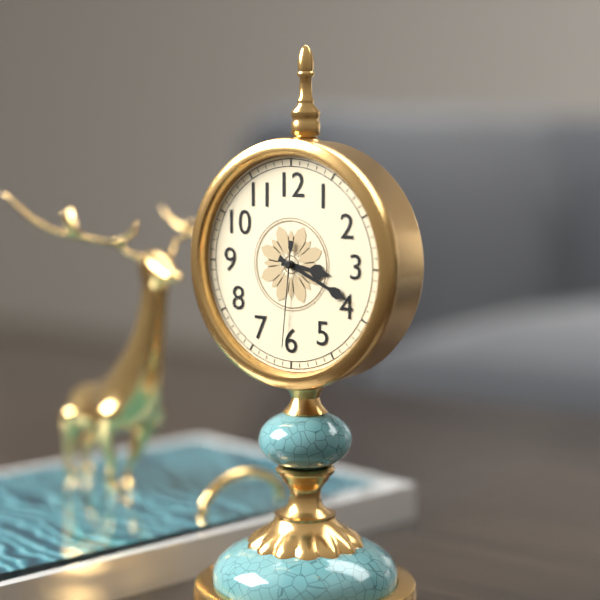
3:19:31
